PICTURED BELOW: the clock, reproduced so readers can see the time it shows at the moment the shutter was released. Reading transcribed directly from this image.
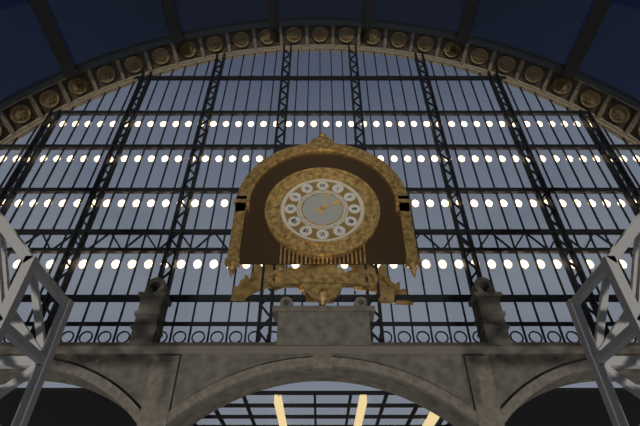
2:02
